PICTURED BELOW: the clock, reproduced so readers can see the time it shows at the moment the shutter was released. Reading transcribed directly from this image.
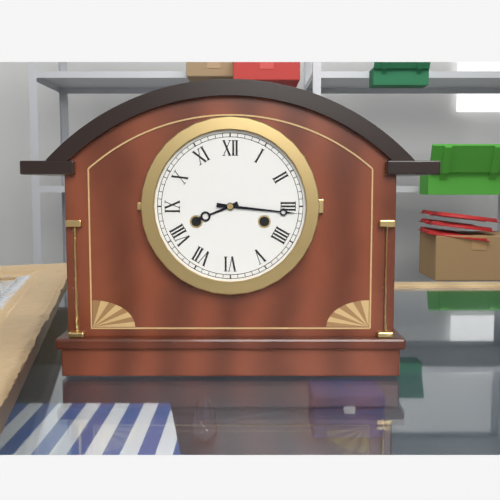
8:16
